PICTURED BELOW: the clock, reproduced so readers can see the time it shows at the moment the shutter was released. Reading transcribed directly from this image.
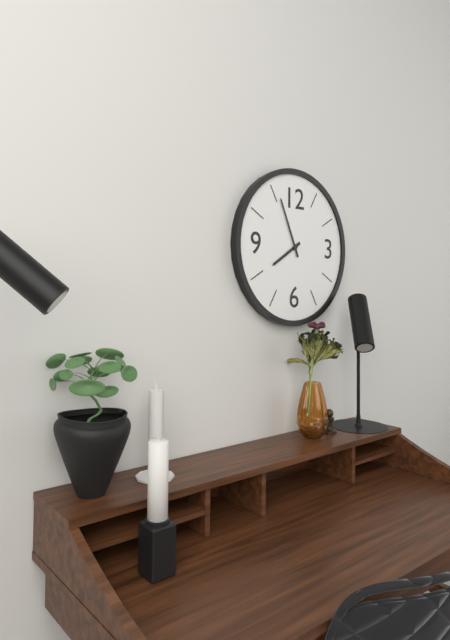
7:56
